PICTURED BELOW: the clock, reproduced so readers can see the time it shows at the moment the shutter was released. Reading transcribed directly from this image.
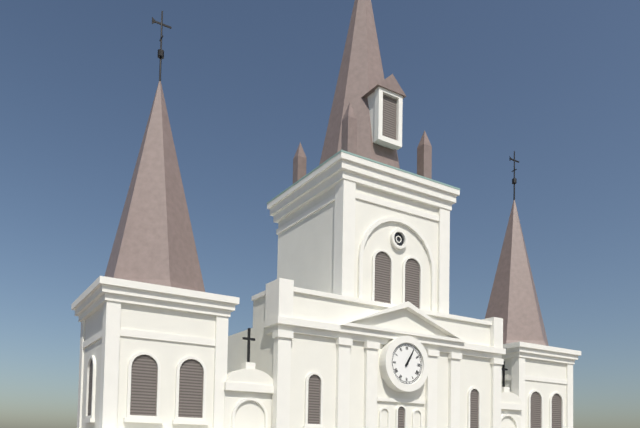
1:05
